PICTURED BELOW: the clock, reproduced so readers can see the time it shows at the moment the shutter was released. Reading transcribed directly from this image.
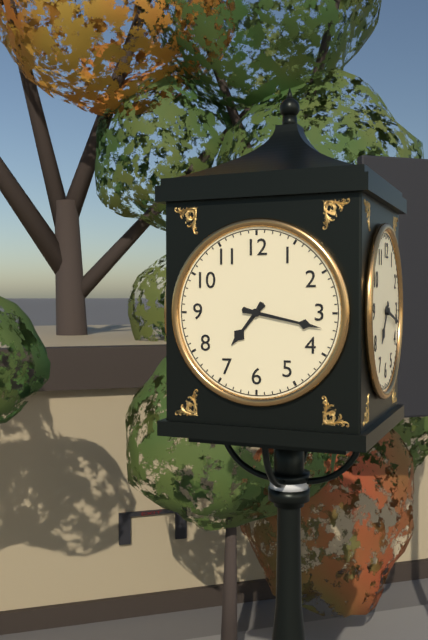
7:17
